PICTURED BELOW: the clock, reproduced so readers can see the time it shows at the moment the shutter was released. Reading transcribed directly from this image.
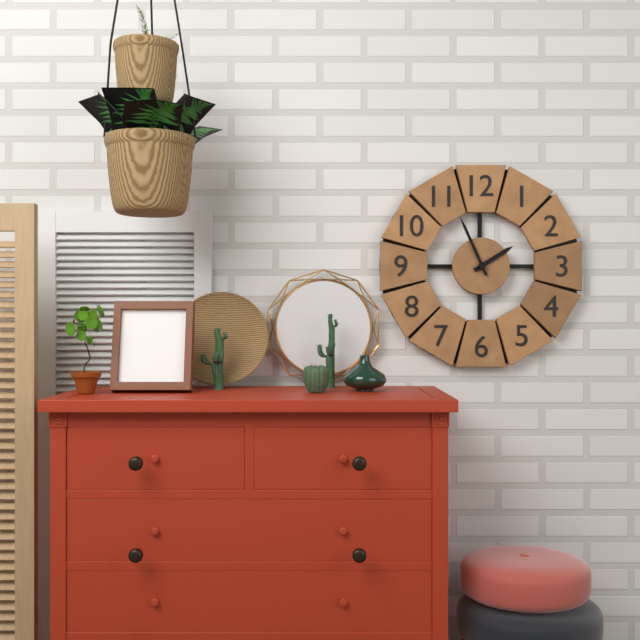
1:56
